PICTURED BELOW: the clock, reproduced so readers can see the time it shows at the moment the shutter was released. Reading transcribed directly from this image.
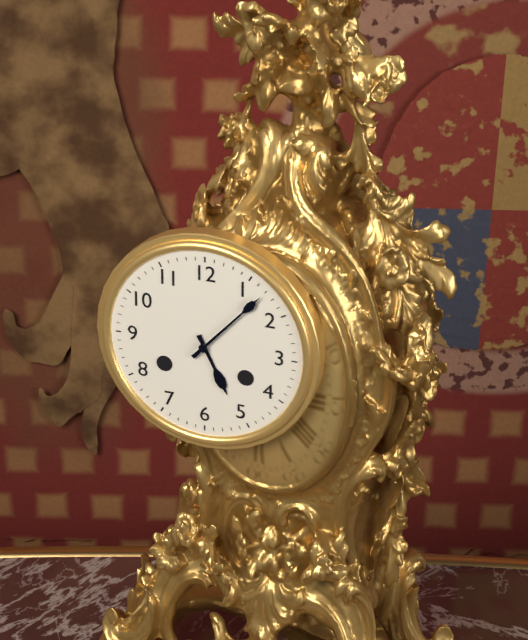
5:07
